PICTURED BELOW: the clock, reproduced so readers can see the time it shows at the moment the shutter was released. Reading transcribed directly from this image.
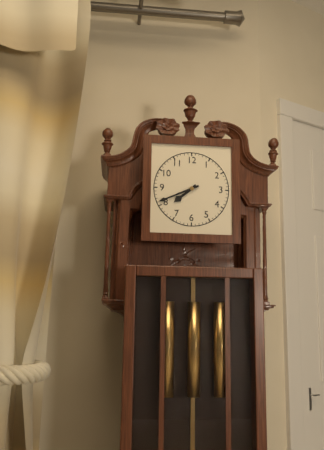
7:41
